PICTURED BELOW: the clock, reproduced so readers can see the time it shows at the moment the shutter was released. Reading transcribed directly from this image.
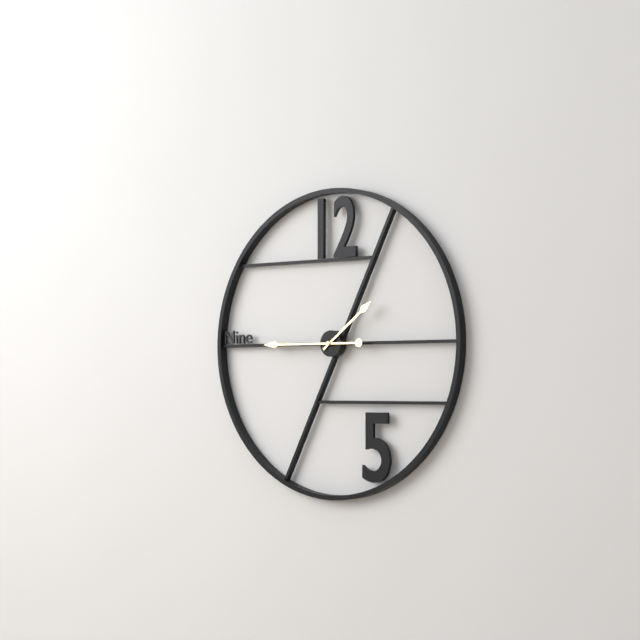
1:45
